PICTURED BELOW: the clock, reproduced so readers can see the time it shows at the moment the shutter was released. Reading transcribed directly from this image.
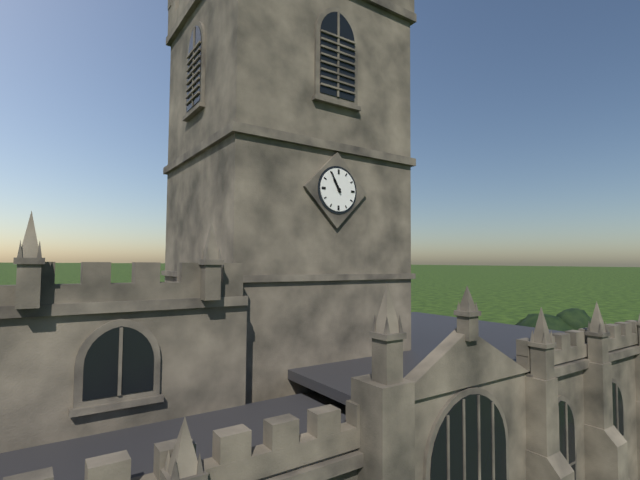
10:55
